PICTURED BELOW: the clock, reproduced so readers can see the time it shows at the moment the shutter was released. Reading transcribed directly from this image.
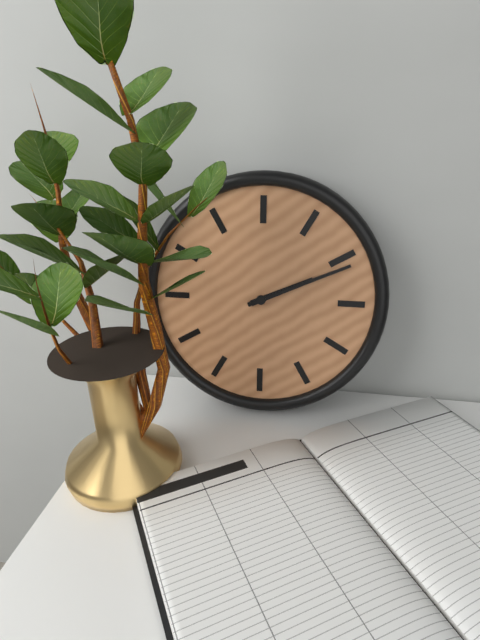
2:11
